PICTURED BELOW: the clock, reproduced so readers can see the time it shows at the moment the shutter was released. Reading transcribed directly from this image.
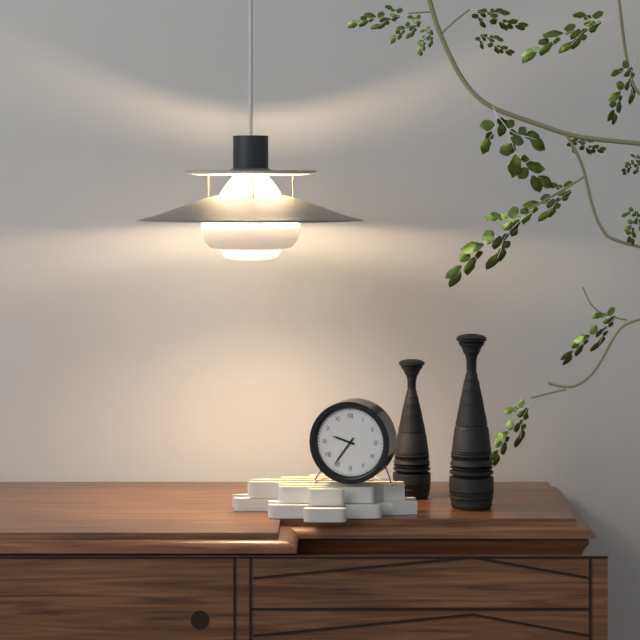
9:36
